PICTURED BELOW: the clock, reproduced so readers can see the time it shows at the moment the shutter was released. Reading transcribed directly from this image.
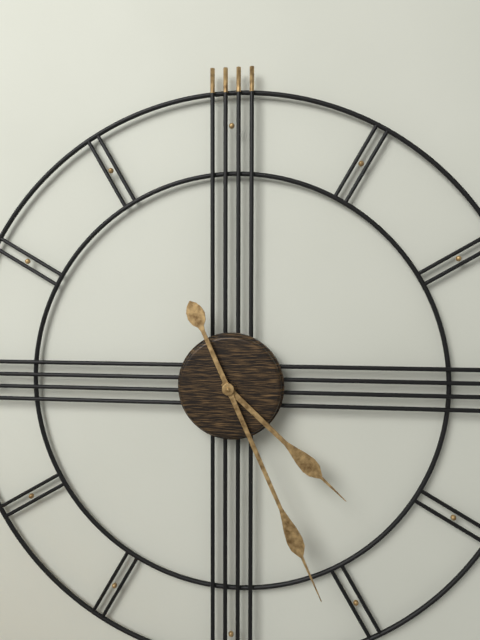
4:26
